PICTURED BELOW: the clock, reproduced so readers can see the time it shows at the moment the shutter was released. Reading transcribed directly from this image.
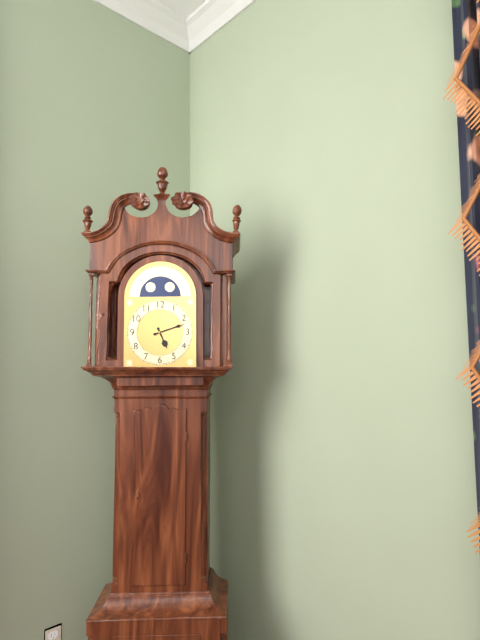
5:12
